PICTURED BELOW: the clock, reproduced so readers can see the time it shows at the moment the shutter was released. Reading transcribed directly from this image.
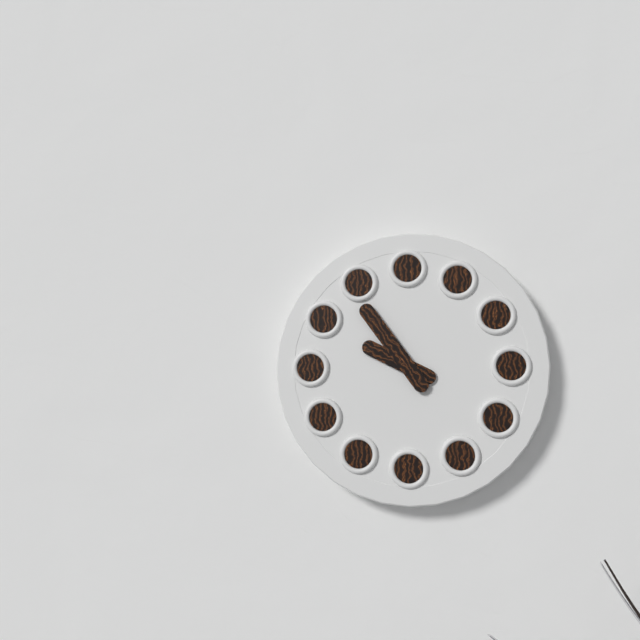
9:54
